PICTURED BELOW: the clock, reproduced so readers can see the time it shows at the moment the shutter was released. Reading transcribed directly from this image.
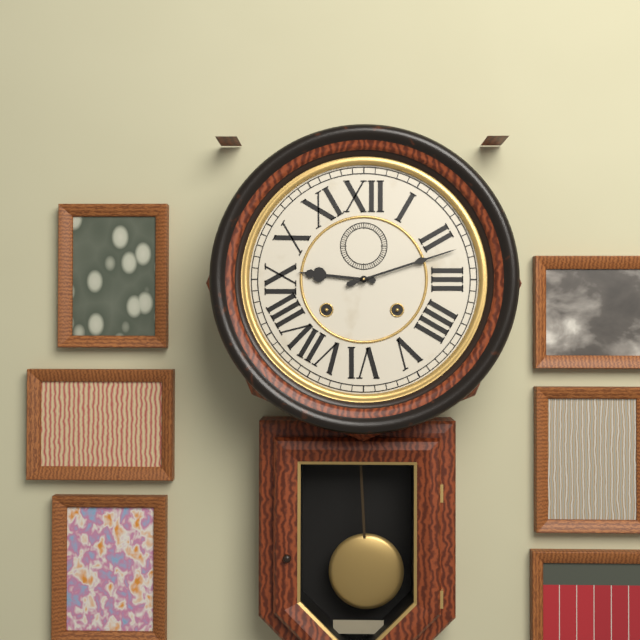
9:12
